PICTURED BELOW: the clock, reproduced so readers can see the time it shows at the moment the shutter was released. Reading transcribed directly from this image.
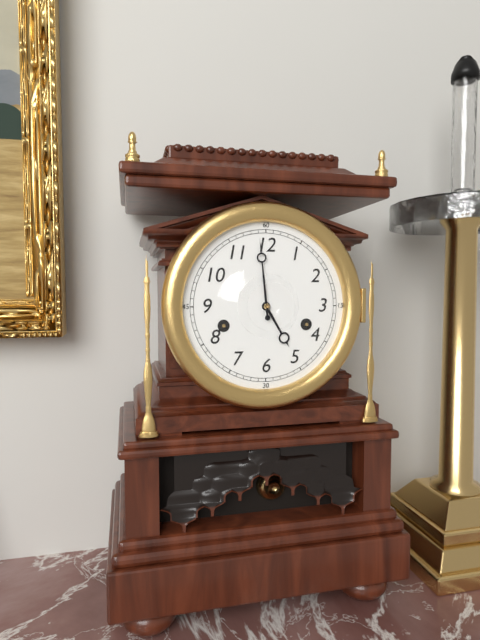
4:59
